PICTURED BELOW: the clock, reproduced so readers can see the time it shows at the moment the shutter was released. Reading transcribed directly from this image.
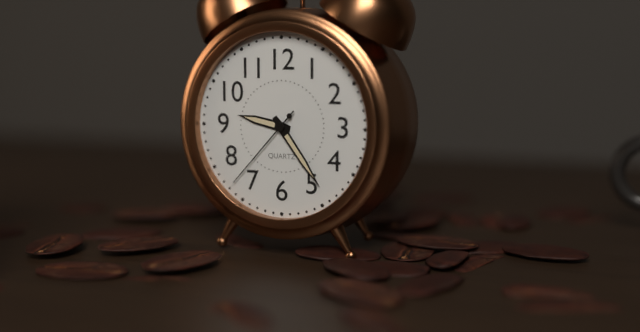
9:24:37
